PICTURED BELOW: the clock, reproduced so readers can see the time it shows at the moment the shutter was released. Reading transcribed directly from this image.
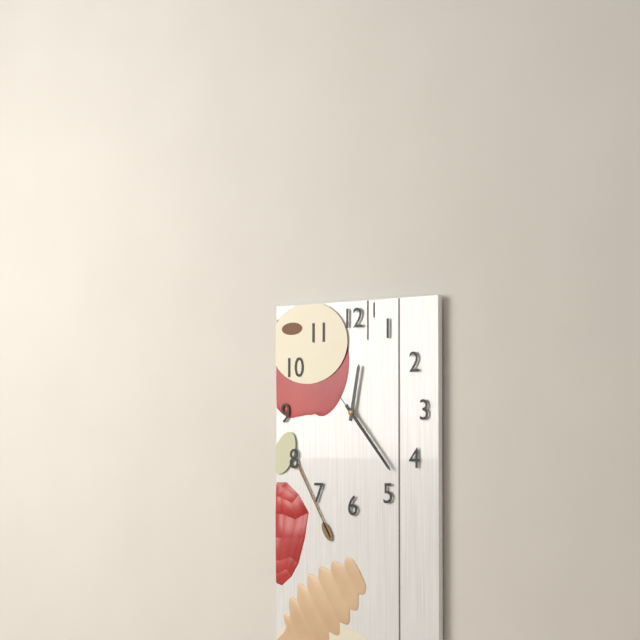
12:23:23
